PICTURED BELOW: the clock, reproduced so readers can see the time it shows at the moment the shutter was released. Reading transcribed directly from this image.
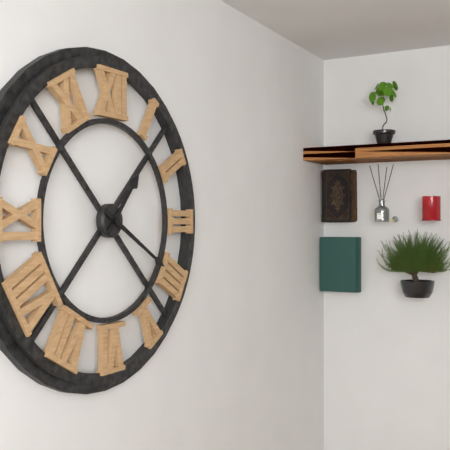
1:20
